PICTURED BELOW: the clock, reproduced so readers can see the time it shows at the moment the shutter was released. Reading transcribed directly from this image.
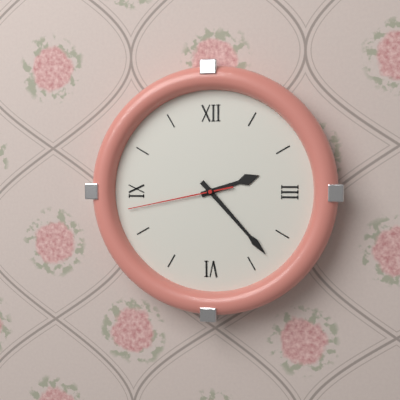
2:23:43
